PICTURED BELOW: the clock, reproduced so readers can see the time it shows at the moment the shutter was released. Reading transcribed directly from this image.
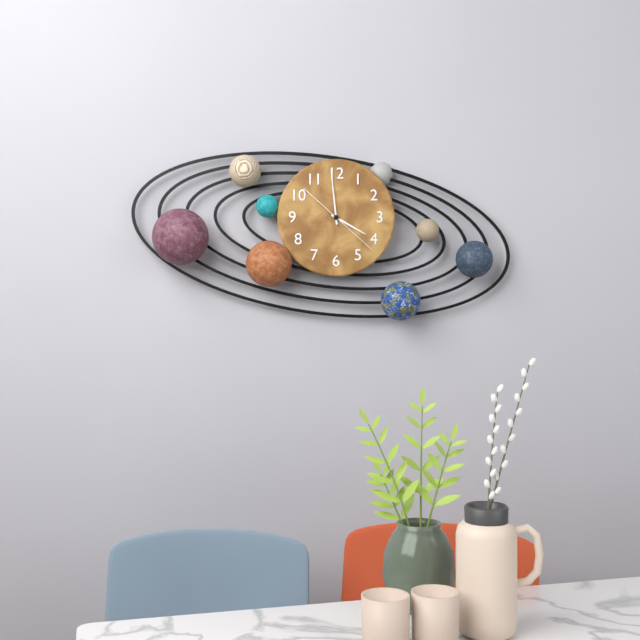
3:59:22
